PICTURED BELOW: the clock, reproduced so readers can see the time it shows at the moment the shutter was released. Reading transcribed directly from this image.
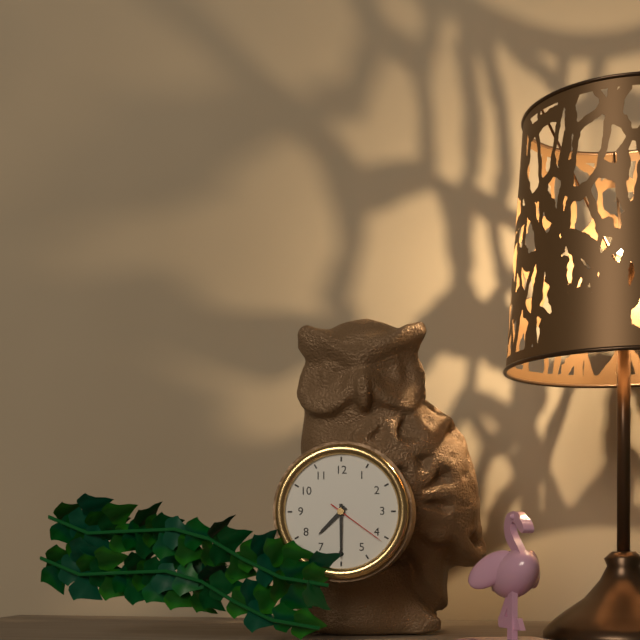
7:30:21
